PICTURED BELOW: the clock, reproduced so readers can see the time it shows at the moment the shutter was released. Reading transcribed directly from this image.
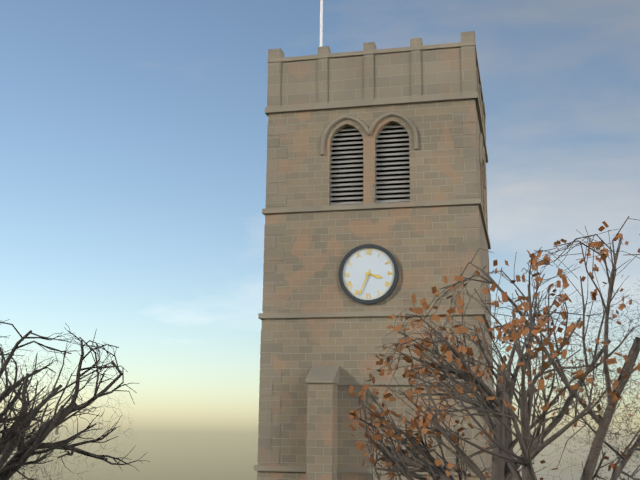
3:34
